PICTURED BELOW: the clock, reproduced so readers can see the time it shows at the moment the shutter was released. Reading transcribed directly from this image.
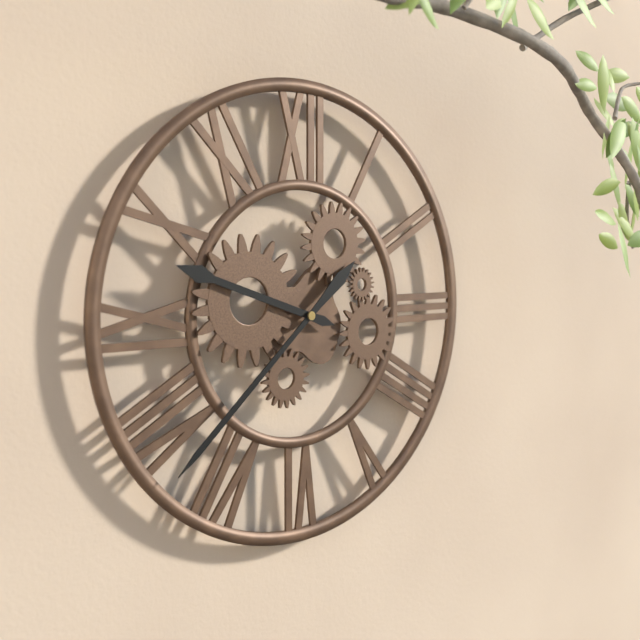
9:38
